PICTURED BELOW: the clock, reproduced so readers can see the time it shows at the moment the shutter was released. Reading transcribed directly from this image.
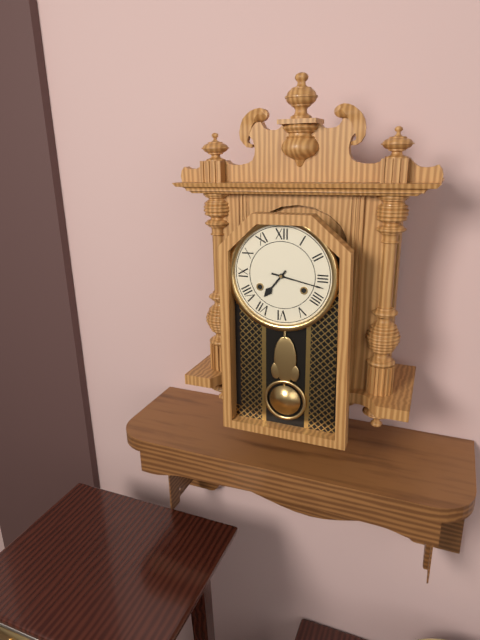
7:17
